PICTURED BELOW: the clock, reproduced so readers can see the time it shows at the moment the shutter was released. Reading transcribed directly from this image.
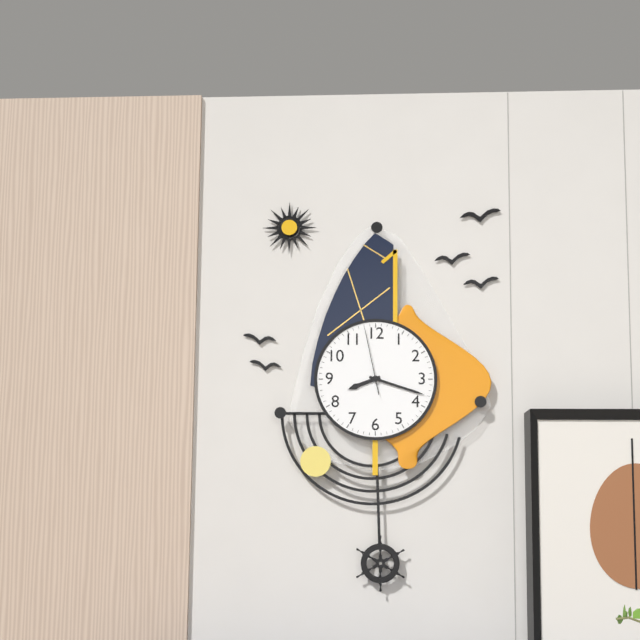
8:18:58
